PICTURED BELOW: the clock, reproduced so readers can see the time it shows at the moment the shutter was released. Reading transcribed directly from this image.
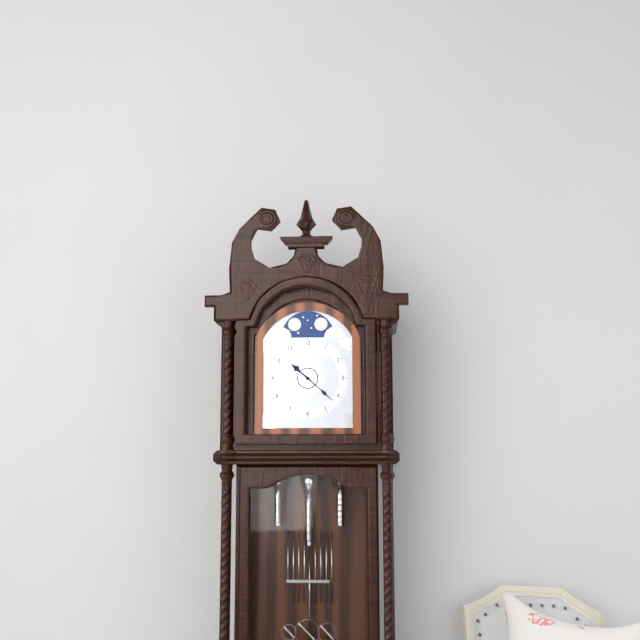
10:22
